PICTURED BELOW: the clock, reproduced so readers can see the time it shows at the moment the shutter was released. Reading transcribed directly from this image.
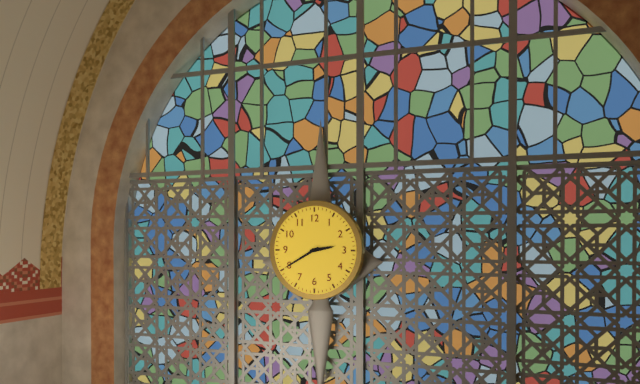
2:40
